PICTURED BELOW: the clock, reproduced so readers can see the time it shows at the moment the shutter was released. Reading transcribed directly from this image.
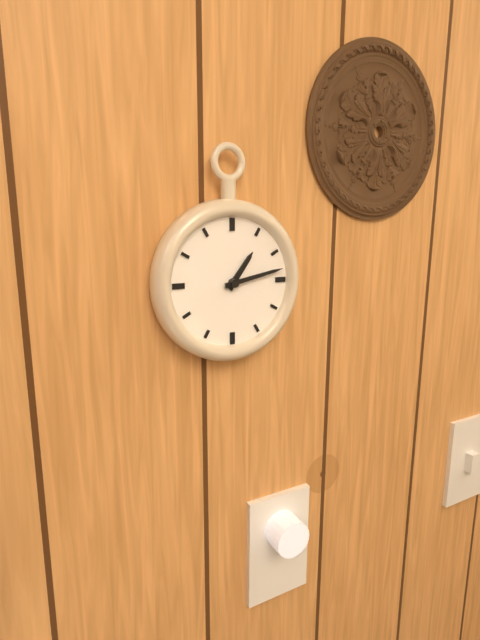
1:13
